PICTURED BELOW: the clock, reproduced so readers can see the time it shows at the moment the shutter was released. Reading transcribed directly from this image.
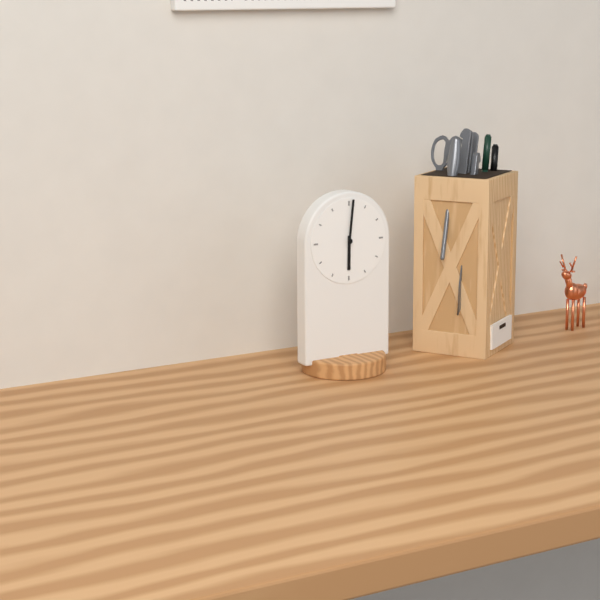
6:01
